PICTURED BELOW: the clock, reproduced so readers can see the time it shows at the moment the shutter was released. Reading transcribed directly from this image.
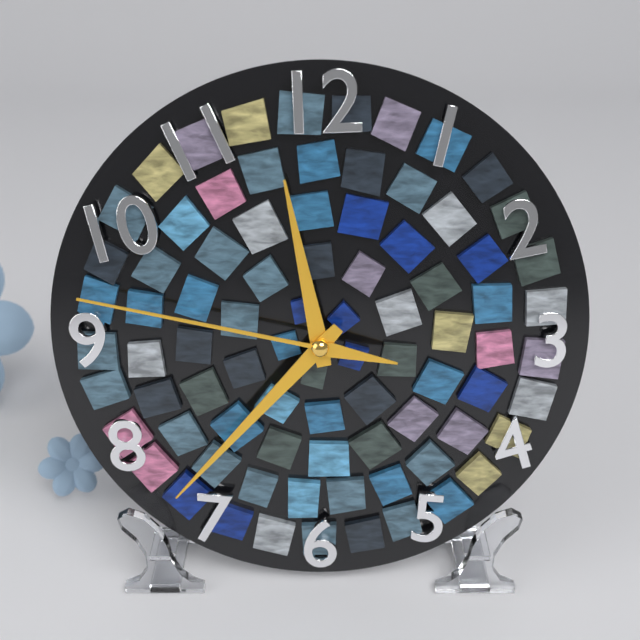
11:37:47
